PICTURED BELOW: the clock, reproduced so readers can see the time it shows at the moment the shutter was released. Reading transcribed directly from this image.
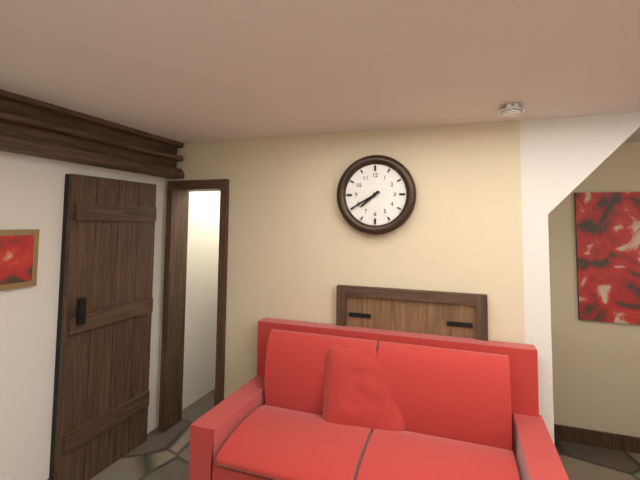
7:40
